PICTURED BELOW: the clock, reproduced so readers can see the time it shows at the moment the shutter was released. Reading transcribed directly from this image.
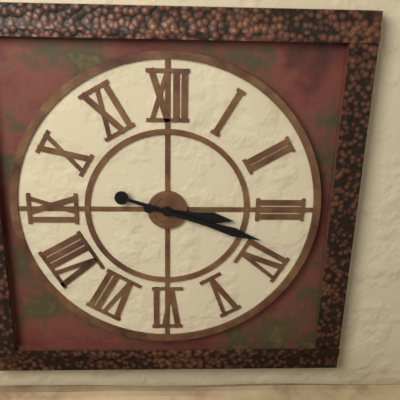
3:18
